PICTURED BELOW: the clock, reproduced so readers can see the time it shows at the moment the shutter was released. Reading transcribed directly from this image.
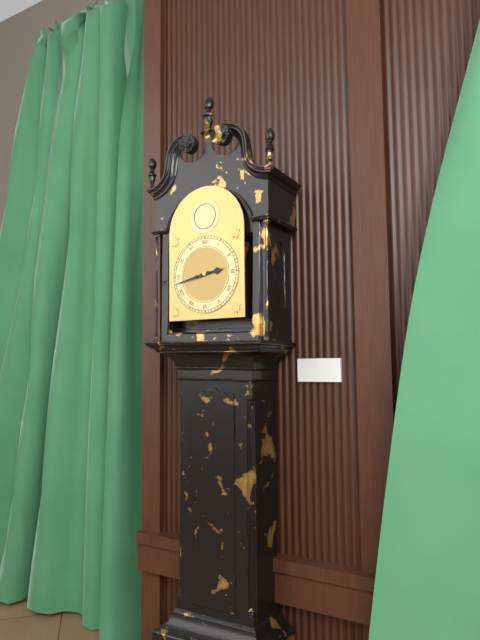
2:43
